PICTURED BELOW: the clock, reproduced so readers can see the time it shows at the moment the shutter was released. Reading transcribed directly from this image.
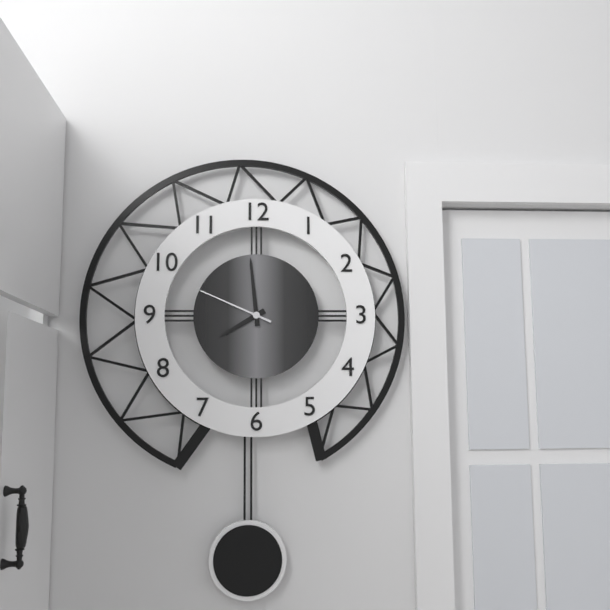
7:59:49
